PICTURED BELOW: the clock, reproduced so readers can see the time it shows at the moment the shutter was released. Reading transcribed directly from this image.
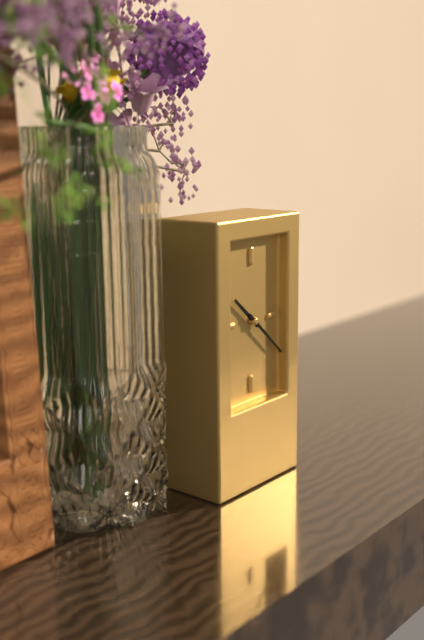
10:22
